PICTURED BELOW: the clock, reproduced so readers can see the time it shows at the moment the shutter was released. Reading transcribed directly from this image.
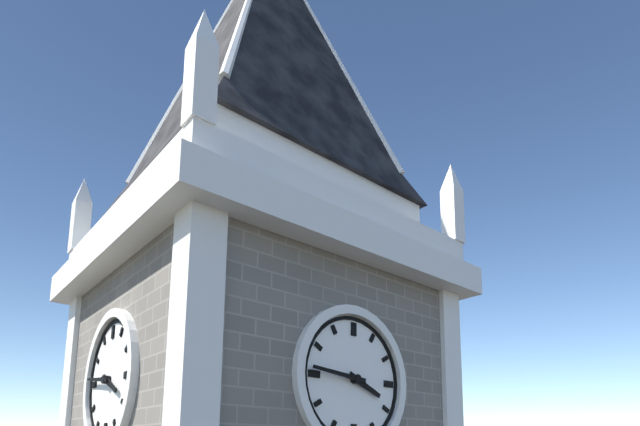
3:46
